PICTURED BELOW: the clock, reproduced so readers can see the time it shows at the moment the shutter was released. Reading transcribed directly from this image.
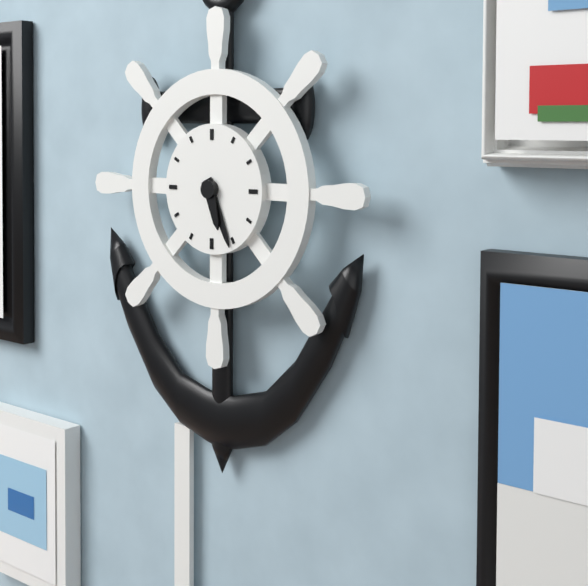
5:26
